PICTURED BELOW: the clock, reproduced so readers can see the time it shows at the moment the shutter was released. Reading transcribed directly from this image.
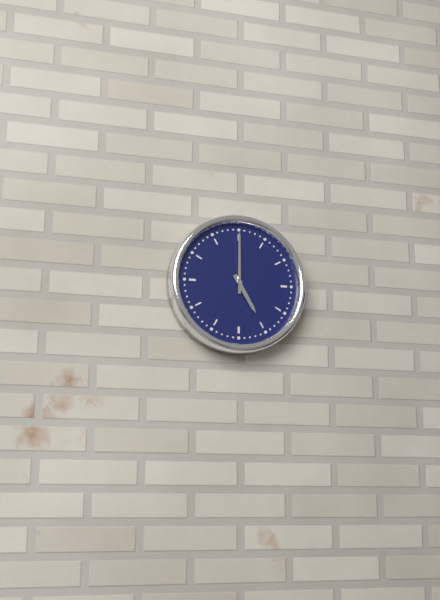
5:00
